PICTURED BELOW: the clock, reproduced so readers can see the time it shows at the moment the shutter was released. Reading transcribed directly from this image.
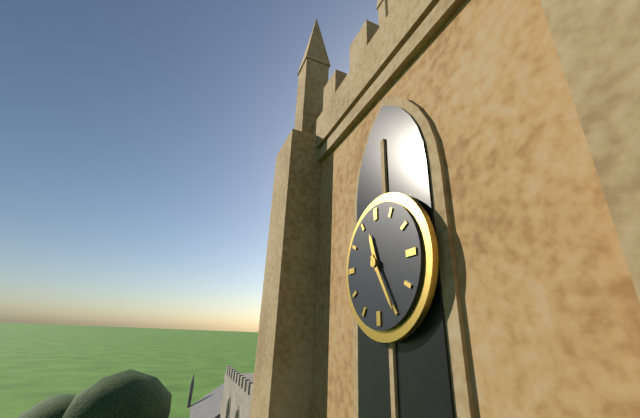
11:25
